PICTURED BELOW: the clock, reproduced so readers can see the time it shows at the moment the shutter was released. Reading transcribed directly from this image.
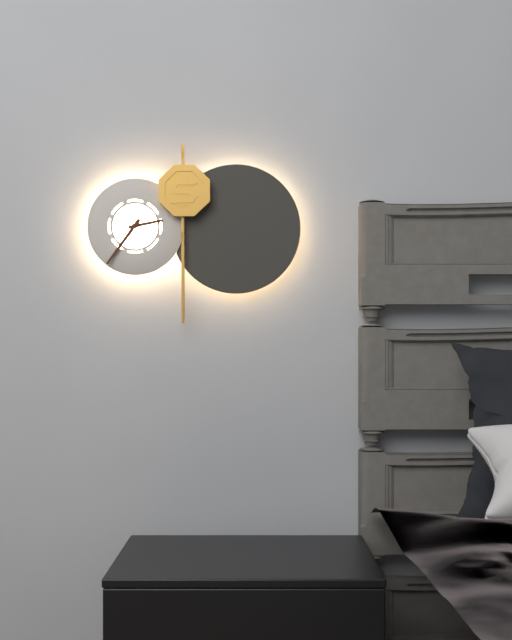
2:36
